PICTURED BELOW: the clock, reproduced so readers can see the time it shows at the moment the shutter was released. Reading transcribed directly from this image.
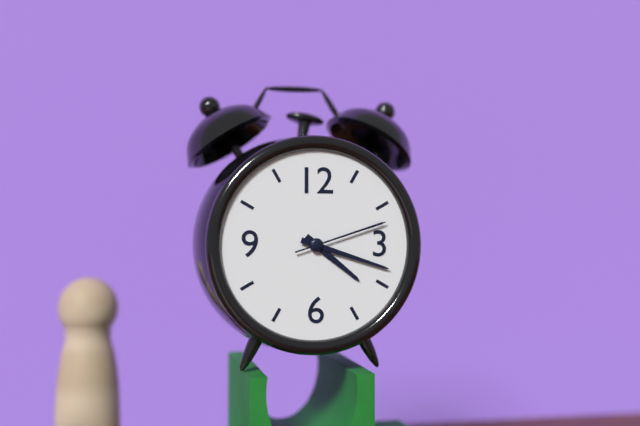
4:18:12
